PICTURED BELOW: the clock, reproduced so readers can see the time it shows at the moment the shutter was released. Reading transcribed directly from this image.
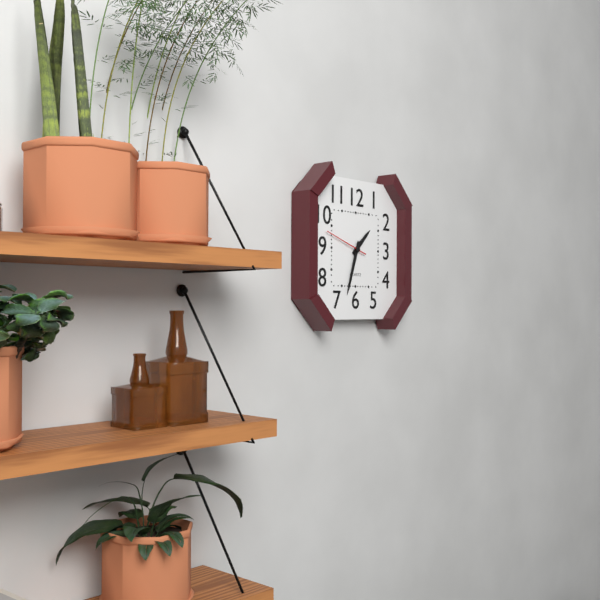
1:33
